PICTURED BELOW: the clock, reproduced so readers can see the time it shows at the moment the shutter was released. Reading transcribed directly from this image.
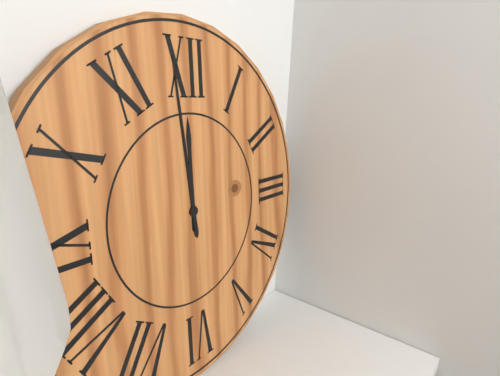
11:59
